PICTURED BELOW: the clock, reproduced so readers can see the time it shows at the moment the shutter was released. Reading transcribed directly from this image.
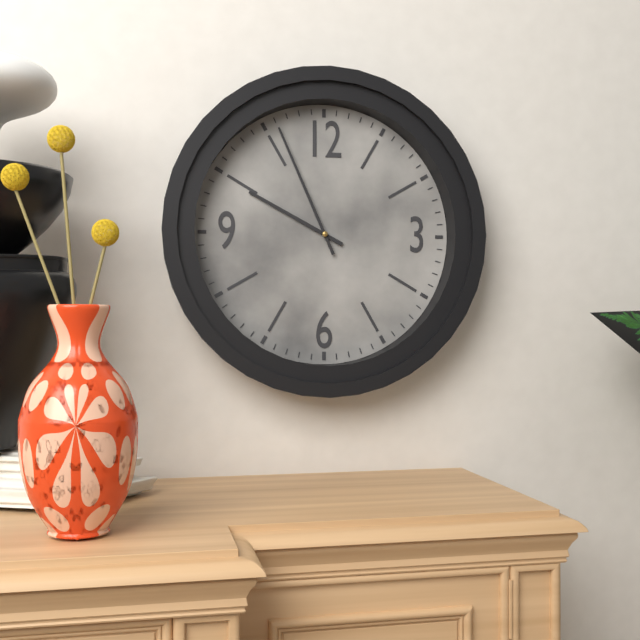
9:56
